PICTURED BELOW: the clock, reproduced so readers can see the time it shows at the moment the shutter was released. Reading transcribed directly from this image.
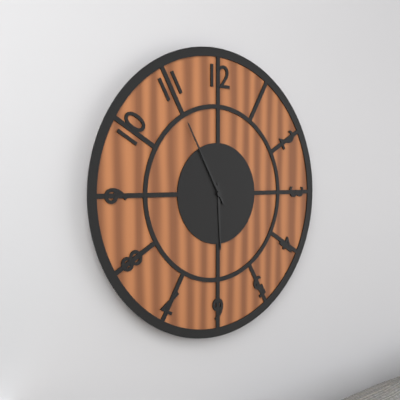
5:55
